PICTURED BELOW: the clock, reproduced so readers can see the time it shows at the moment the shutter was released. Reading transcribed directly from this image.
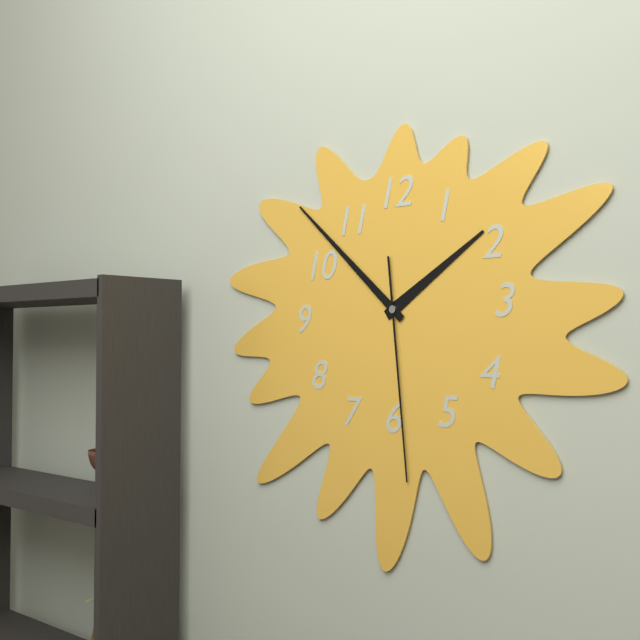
1:52:29
